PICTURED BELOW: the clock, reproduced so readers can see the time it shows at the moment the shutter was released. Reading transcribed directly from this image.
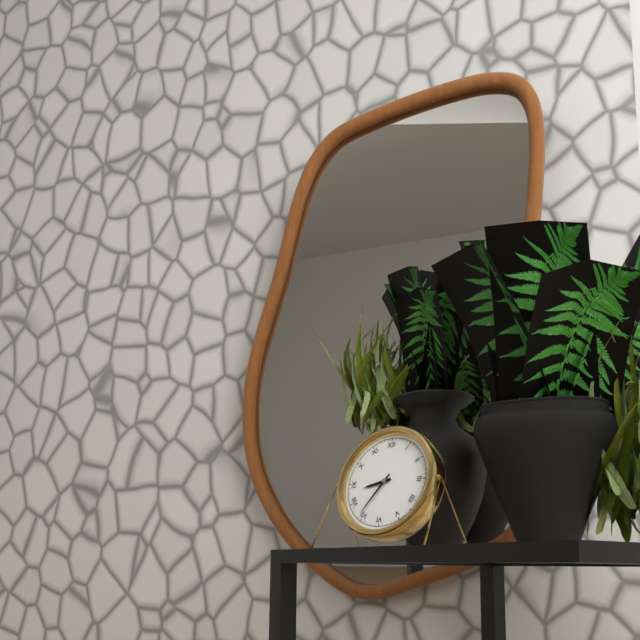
8:36
